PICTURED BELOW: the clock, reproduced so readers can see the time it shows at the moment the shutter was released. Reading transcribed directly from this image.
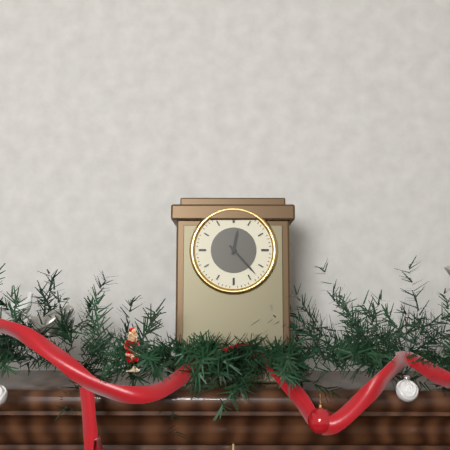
12:23
